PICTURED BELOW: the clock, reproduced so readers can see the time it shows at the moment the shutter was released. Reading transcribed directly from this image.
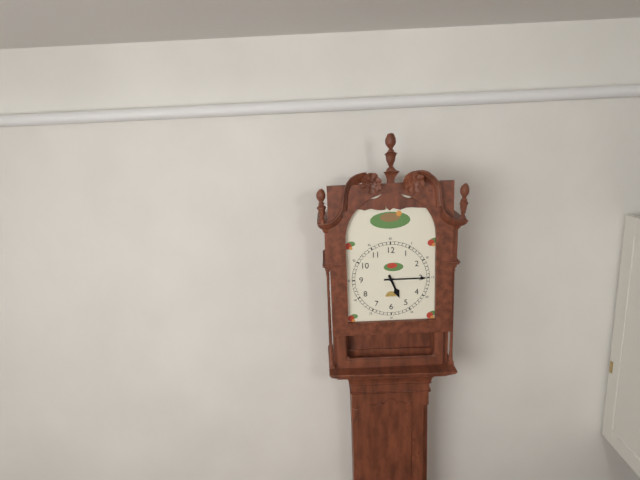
5:15
